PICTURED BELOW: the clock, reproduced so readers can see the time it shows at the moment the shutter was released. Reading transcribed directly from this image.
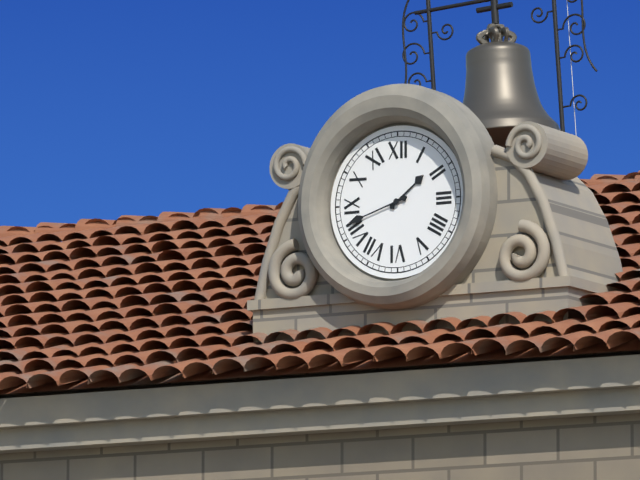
1:42
